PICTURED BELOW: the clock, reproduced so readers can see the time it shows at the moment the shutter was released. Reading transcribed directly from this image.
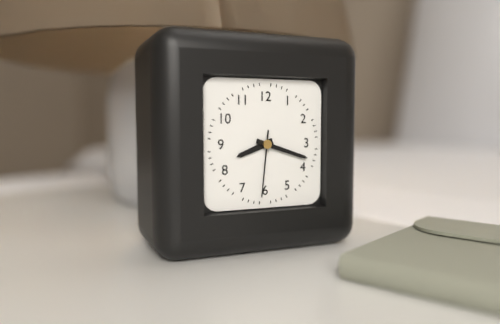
8:18:31
